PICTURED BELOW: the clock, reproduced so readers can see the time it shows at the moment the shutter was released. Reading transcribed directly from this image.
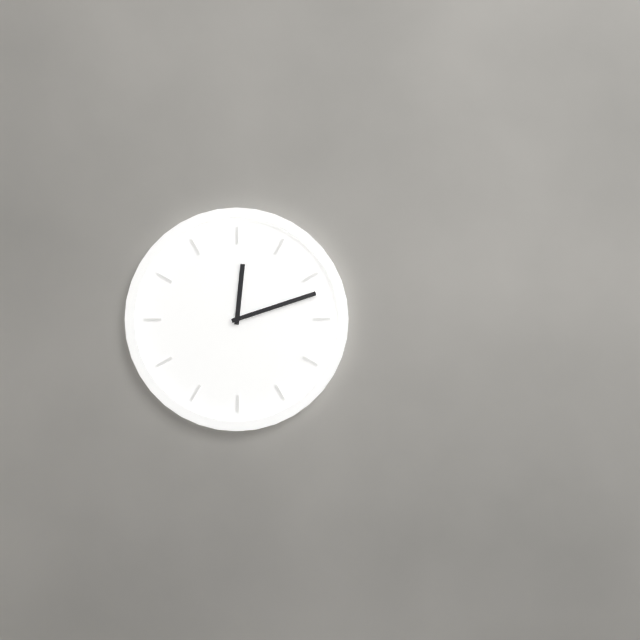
12:12
